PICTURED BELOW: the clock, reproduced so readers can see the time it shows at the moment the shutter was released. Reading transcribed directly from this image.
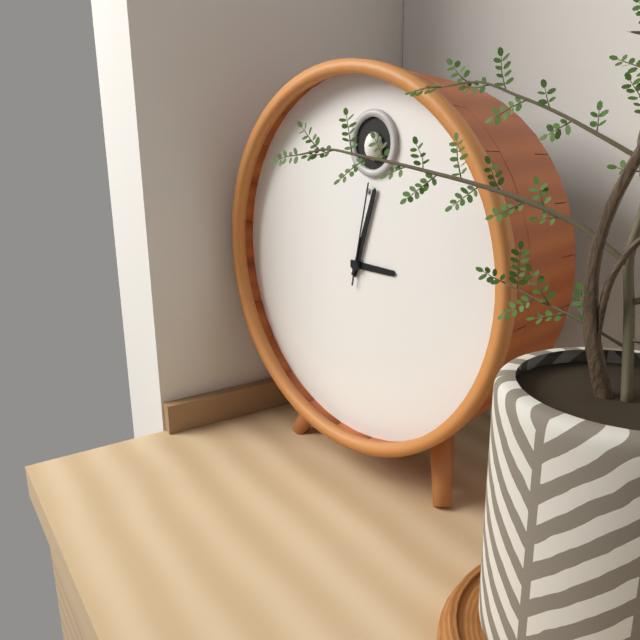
3:03:02
